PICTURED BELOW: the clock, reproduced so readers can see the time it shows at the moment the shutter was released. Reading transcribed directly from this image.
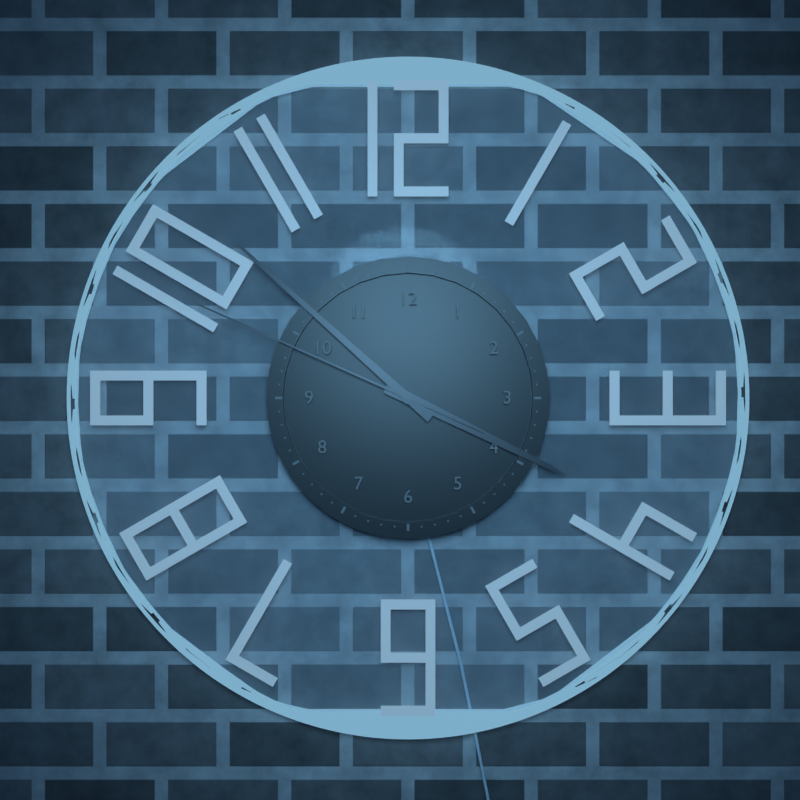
3:52:49
